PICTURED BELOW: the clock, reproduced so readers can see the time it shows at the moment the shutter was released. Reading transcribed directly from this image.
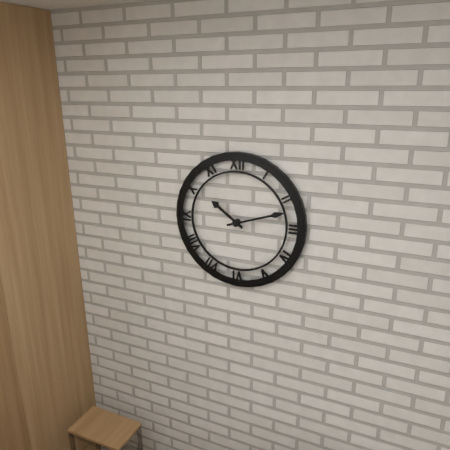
10:12
